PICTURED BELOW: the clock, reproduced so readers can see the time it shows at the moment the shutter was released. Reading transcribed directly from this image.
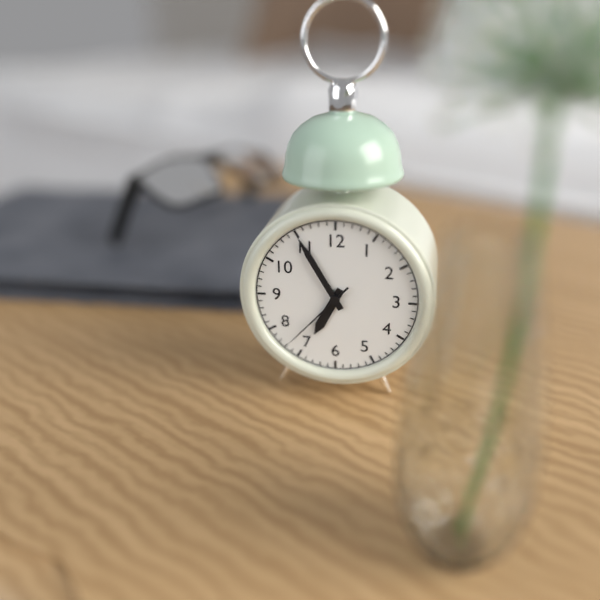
6:55:37
